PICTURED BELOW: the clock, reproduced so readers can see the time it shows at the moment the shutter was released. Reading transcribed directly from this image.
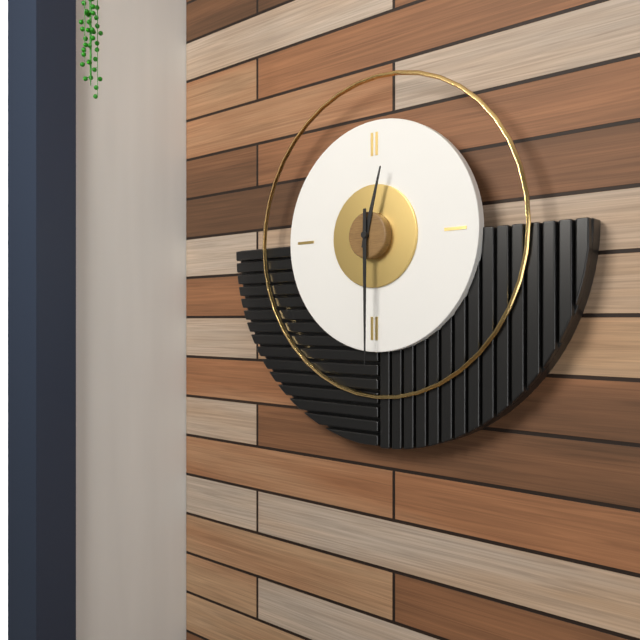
12:30
